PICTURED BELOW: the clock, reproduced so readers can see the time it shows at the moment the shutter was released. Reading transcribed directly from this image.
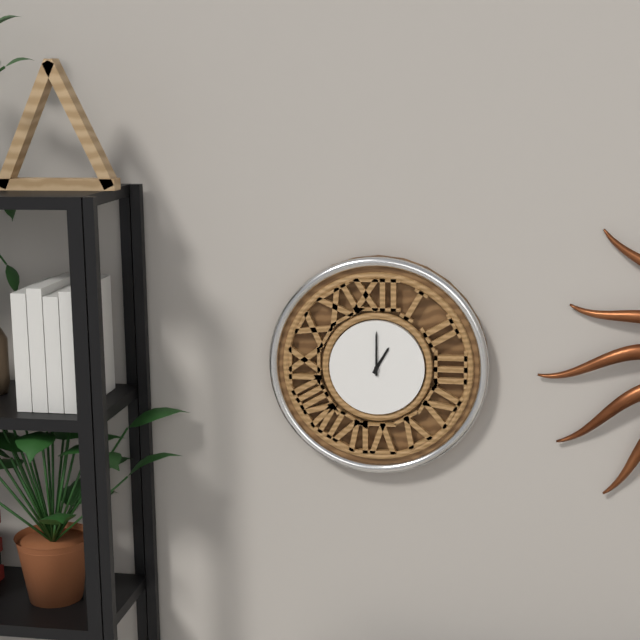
1:00
